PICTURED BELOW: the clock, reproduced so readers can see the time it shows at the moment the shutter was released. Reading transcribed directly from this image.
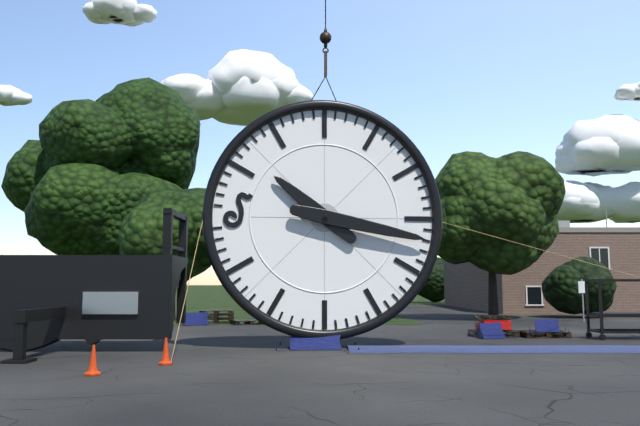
10:17
